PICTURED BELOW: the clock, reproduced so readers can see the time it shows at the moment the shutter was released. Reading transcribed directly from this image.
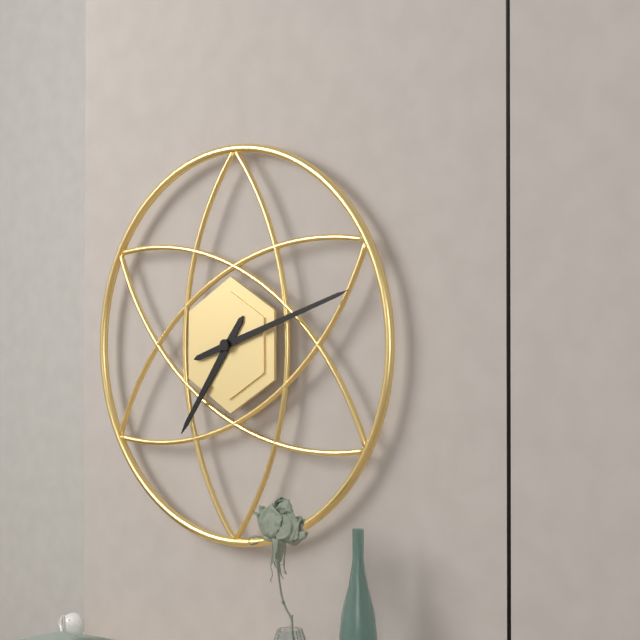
7:12
